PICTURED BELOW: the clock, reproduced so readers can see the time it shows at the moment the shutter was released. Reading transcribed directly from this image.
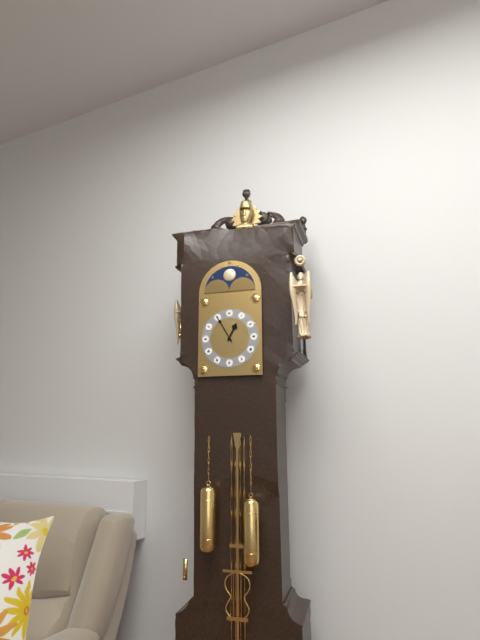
12:55
